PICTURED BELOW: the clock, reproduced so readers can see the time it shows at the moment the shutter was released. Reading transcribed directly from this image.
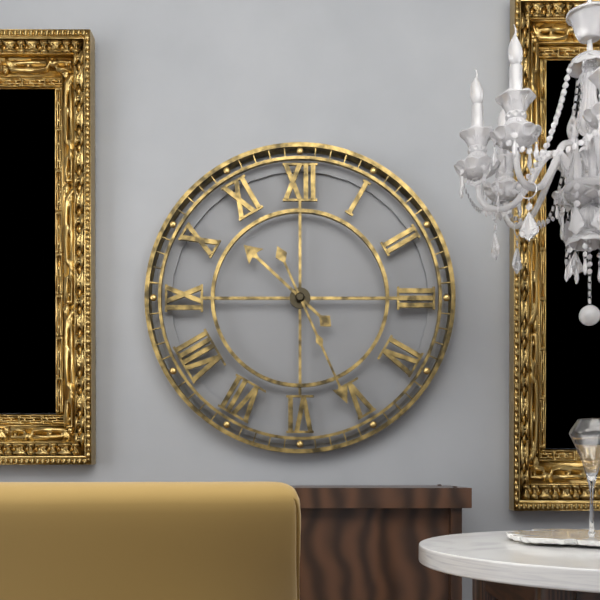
10:26
